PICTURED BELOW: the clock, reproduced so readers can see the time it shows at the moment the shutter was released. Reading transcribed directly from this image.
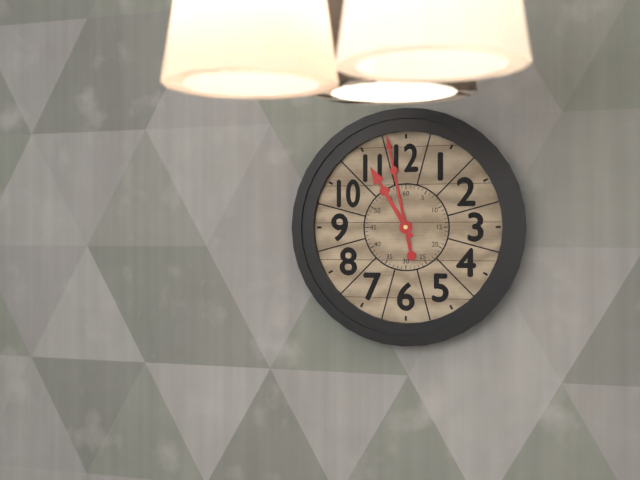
10:58
